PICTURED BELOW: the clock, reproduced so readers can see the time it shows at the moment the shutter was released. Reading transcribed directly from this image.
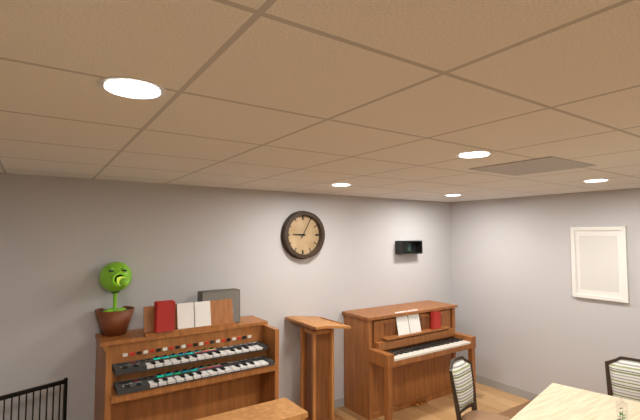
9:05
